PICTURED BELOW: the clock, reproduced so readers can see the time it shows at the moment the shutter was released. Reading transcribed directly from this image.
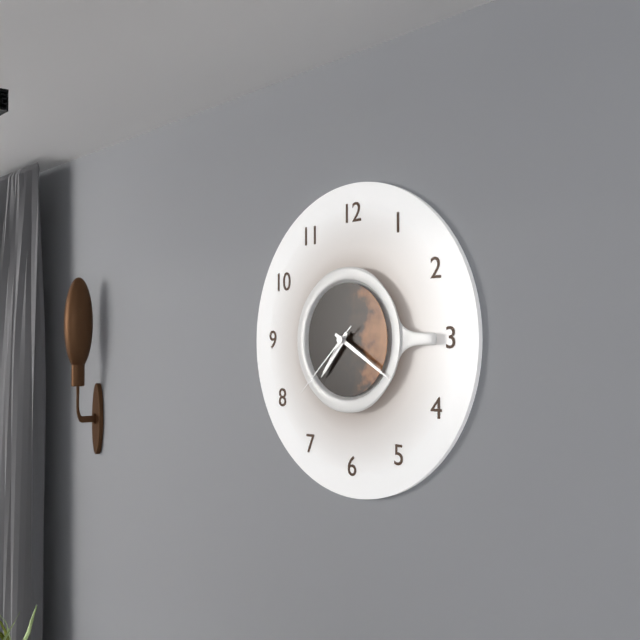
7:20:38
